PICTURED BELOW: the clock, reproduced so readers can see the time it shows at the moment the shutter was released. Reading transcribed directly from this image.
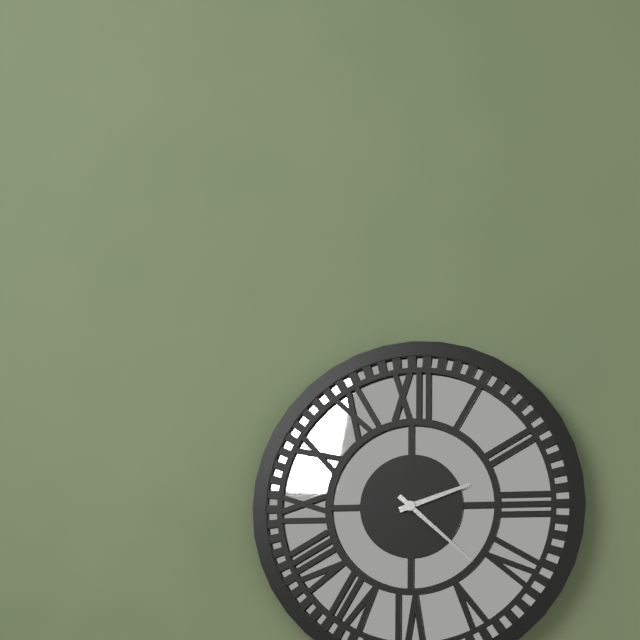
2:22
